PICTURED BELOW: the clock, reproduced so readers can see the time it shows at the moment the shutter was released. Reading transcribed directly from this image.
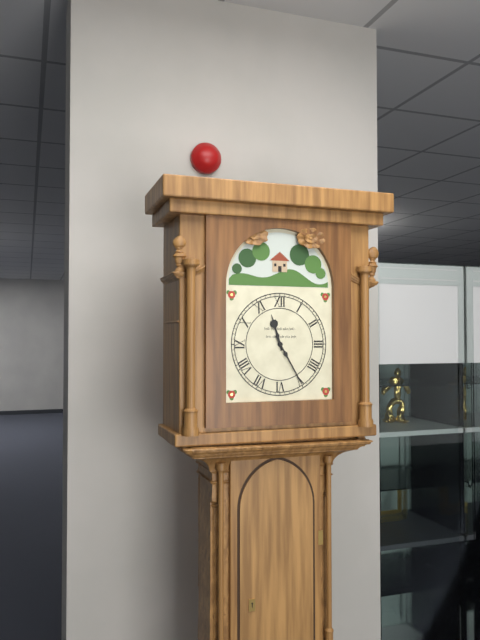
11:25
